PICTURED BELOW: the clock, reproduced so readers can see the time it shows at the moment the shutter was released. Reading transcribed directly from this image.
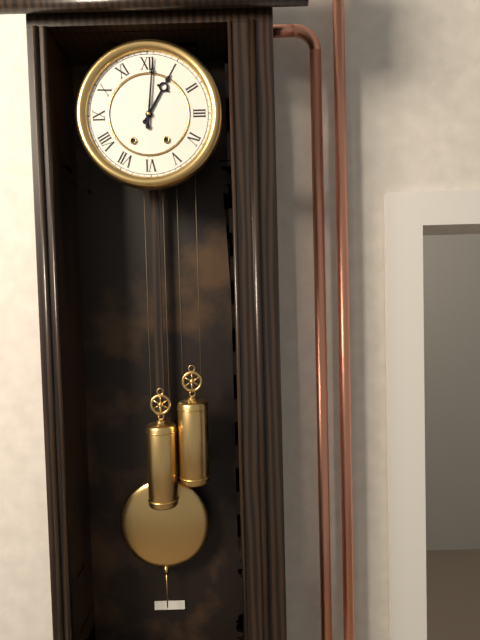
1:01
